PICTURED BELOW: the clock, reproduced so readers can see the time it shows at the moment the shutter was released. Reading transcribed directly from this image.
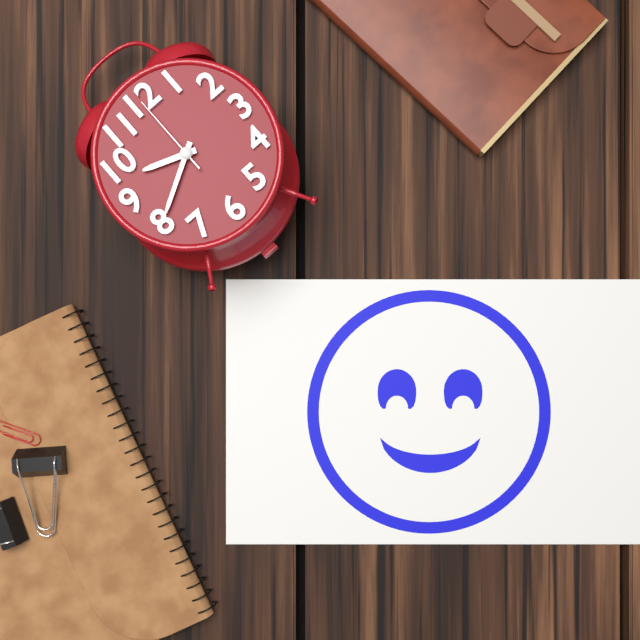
9:40:00
